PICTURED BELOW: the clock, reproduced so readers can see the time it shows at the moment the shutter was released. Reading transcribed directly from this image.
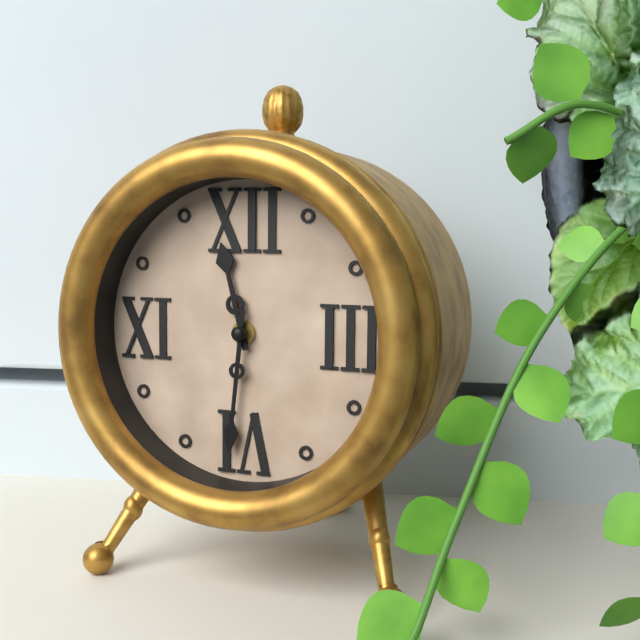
11:31
